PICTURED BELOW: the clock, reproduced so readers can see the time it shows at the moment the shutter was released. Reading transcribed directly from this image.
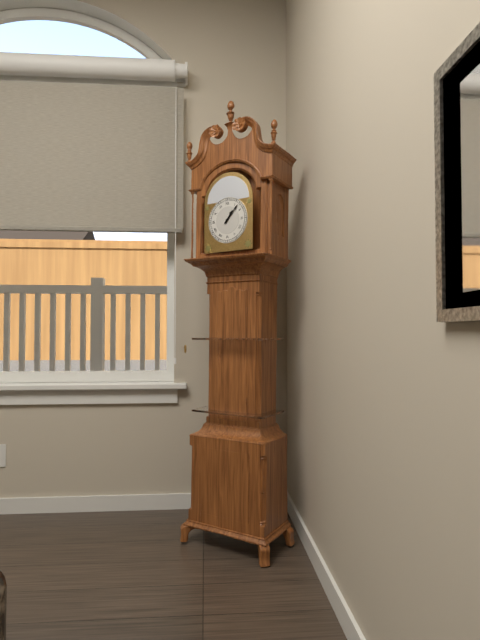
1:07
